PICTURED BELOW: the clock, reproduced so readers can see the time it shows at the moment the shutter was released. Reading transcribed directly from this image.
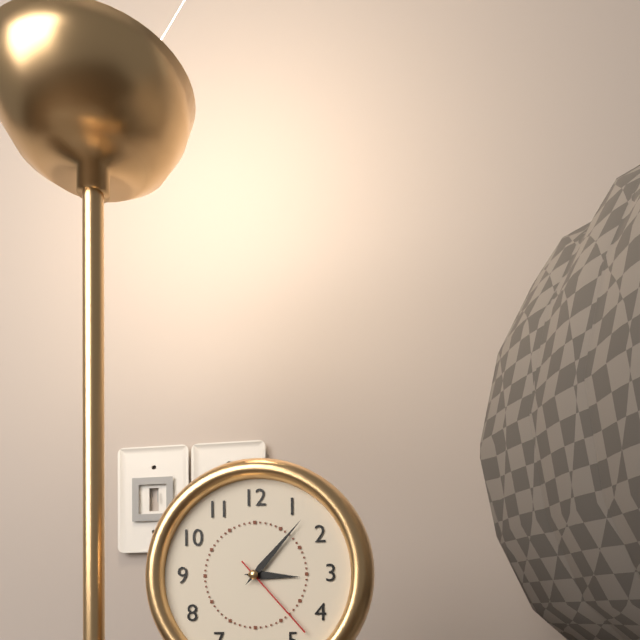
3:07:23
